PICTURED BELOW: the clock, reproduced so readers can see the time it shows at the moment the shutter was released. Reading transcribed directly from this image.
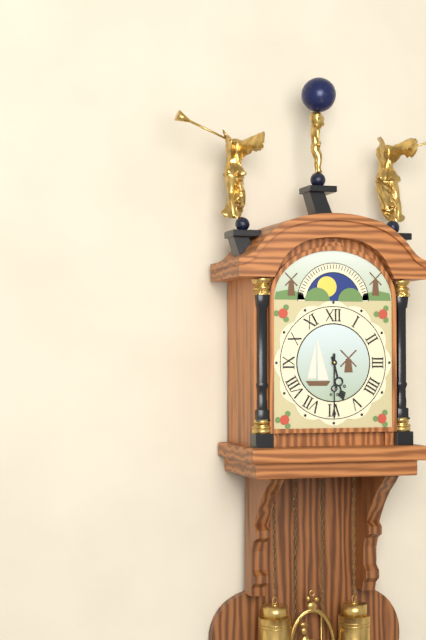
5:30
